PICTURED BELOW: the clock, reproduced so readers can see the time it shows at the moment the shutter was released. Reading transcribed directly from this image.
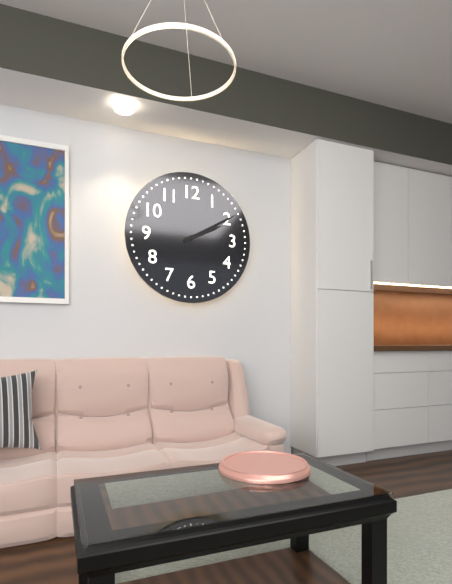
2:10
